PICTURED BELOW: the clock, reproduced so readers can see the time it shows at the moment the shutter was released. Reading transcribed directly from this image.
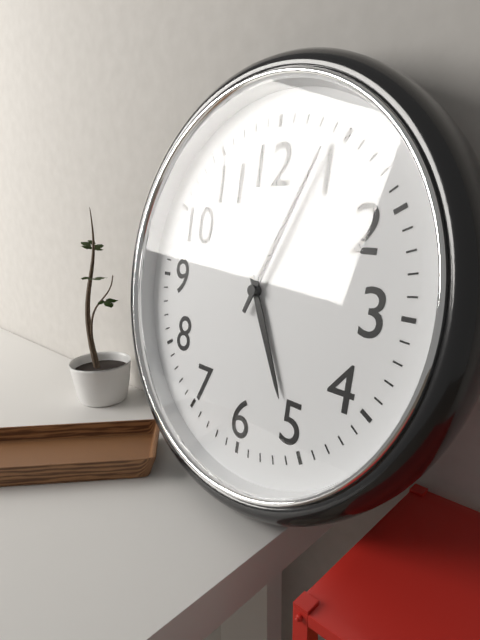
5:04
